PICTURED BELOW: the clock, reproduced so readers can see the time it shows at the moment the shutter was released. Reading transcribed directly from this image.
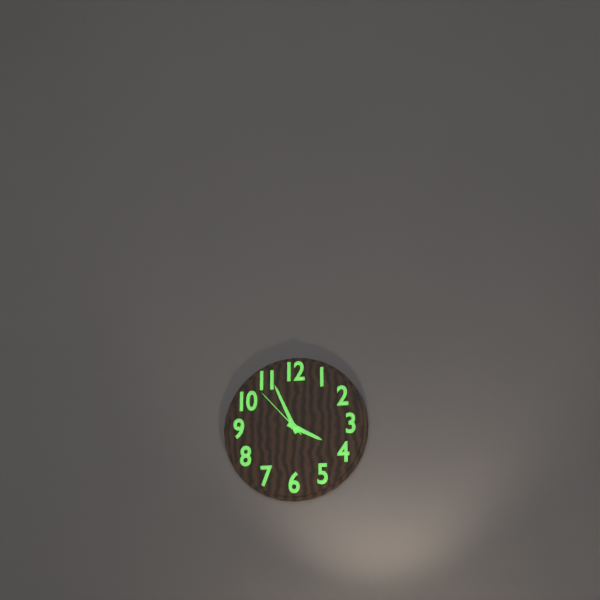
3:56:53
